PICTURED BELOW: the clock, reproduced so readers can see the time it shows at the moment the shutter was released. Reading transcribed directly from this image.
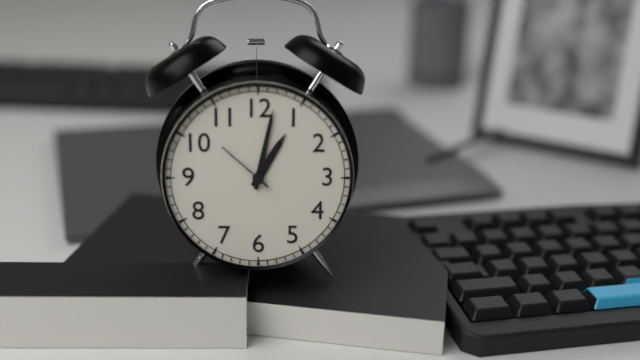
1:02:52
